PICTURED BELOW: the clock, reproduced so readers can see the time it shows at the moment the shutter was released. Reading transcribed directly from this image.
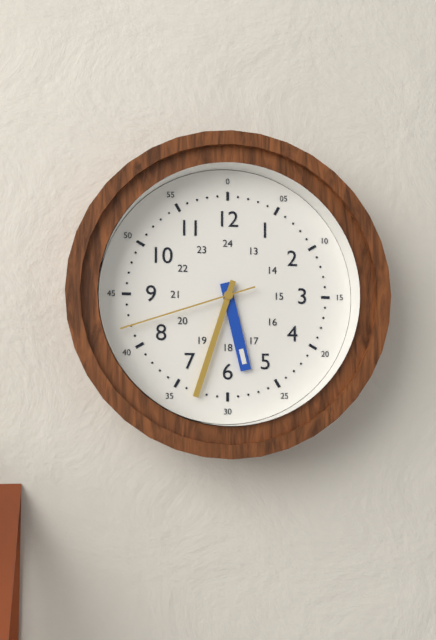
5:33:42
